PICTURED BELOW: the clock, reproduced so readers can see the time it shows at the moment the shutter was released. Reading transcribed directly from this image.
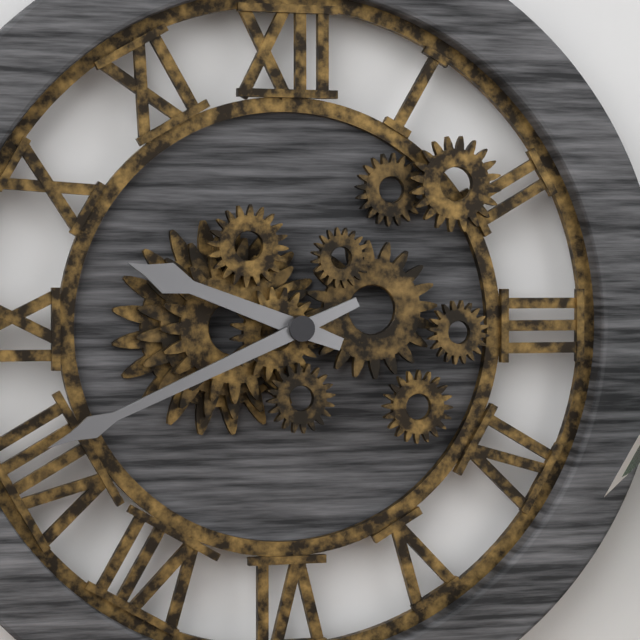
9:41
